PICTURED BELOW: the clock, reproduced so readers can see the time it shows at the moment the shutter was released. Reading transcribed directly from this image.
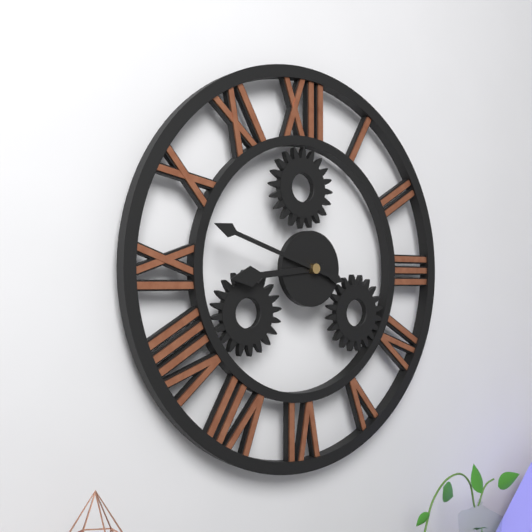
8:48
